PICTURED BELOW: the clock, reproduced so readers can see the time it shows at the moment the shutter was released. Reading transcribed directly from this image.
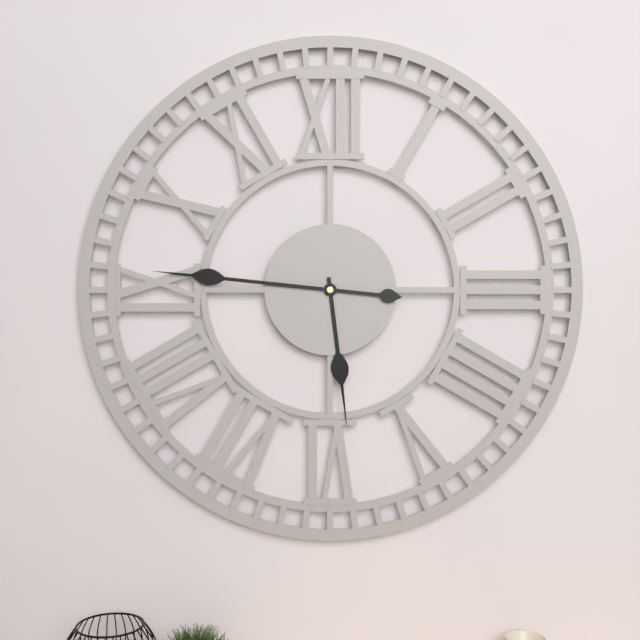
5:46
